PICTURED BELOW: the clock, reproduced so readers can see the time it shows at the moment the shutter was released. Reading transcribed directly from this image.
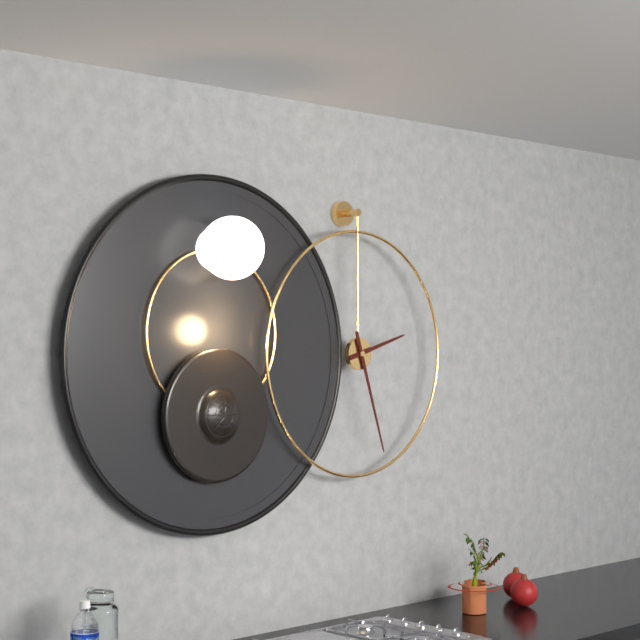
2:27
